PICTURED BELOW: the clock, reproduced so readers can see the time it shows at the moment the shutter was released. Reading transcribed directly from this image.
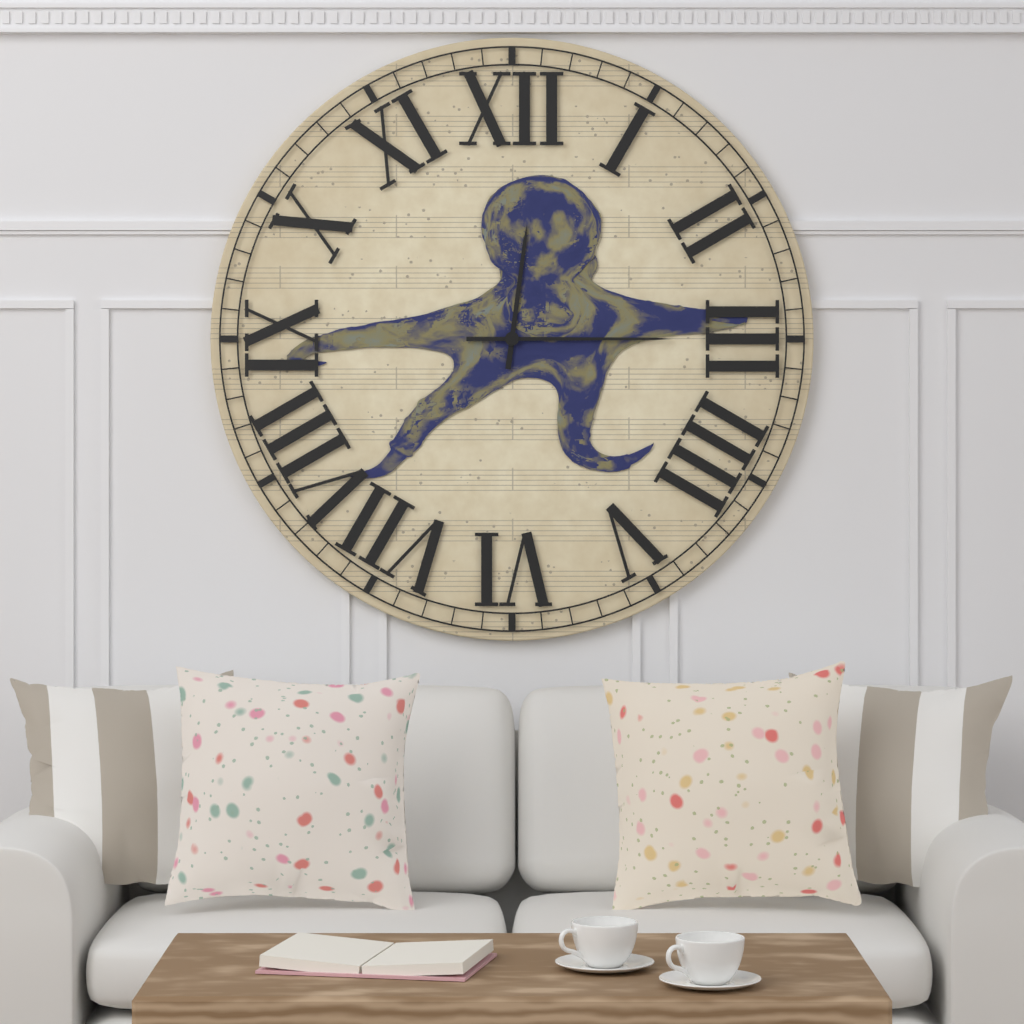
12:15
